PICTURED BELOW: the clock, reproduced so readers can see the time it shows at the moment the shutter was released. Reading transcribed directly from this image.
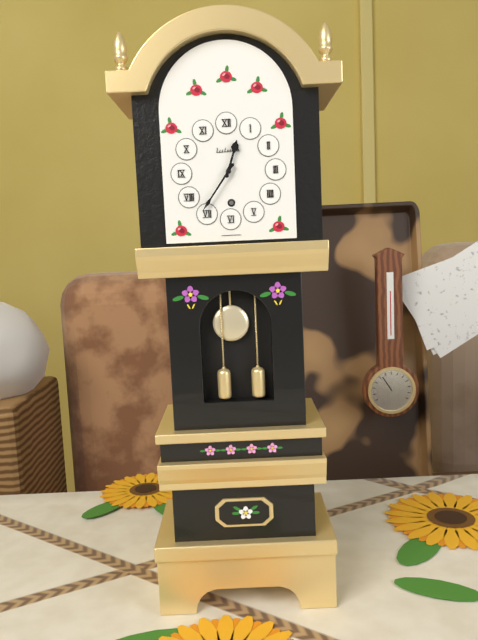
12:36
